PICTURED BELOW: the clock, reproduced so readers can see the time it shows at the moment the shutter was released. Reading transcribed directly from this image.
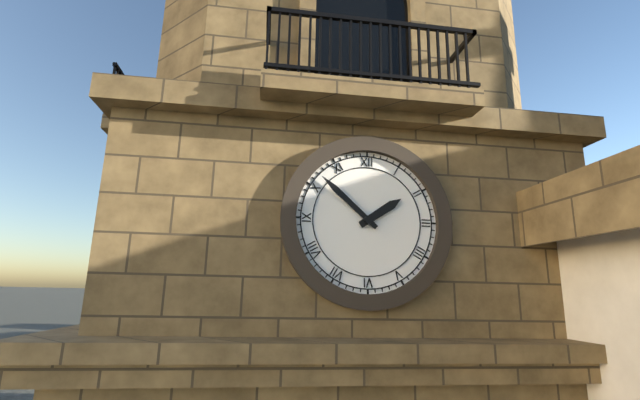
1:52
